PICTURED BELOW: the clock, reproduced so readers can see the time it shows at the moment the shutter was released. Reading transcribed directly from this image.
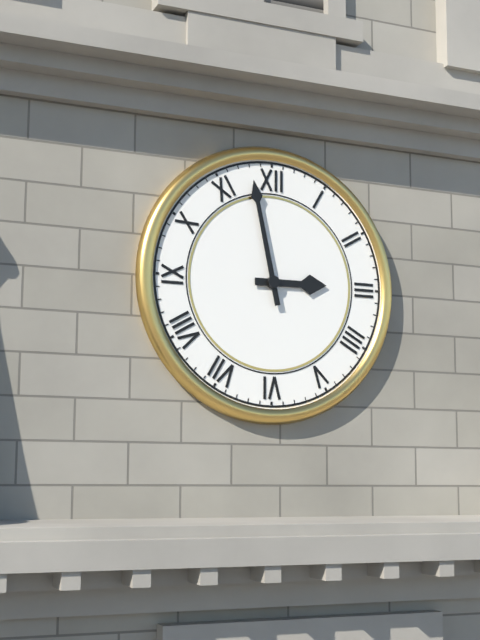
2:58
